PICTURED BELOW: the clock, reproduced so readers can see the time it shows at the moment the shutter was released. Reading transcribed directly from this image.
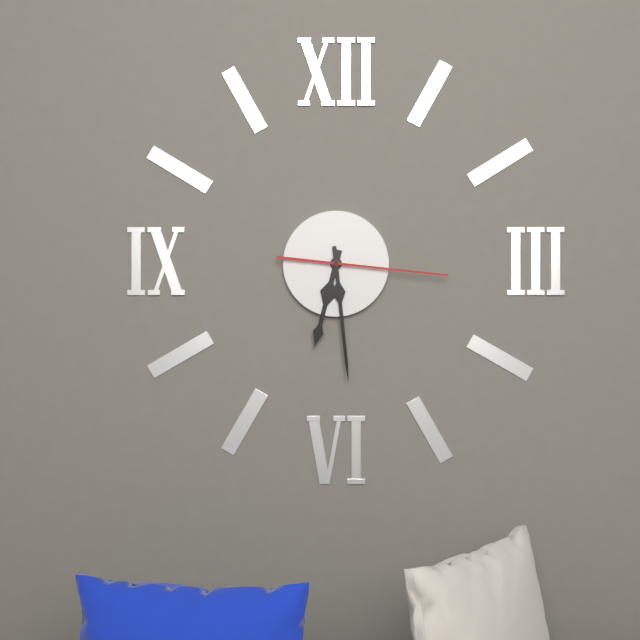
6:29:16
